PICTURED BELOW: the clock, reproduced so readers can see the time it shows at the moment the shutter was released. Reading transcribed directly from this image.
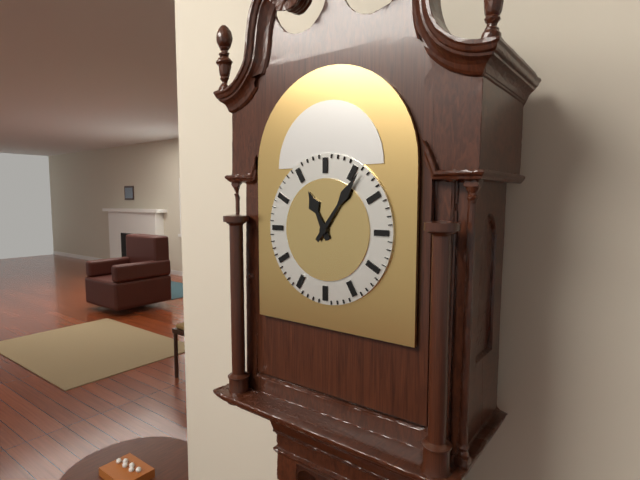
11:06
